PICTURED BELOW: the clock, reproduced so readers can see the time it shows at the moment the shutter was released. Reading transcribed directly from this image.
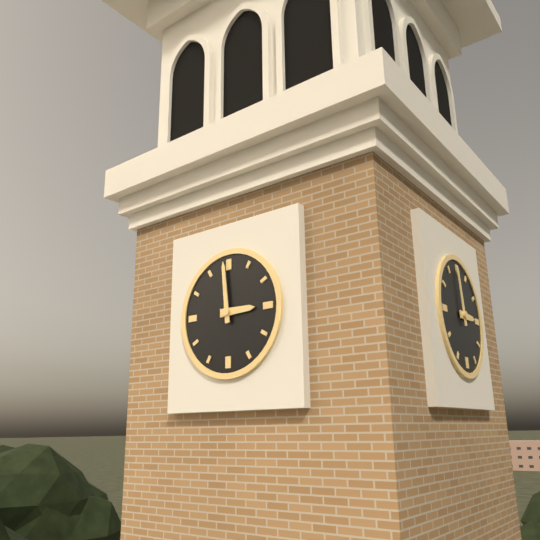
2:59
